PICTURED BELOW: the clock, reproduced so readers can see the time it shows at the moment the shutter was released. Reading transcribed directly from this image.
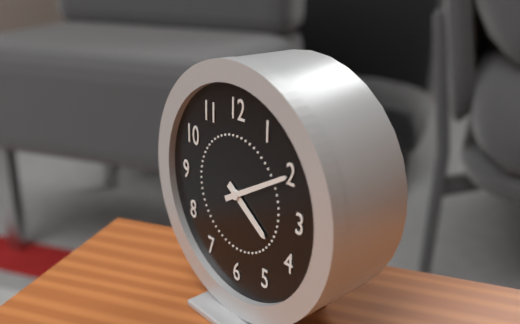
4:10
